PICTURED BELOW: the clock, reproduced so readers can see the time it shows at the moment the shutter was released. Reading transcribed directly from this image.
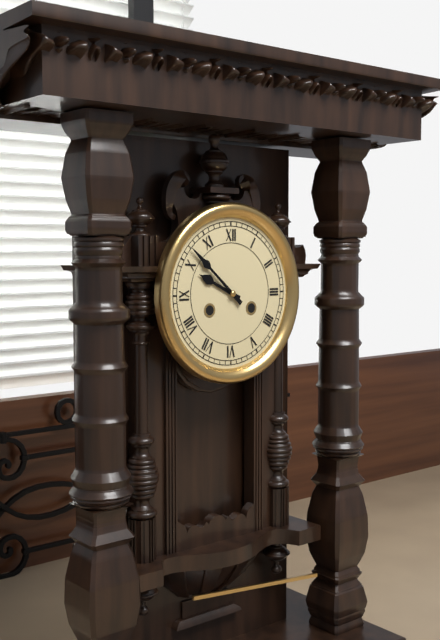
9:52
